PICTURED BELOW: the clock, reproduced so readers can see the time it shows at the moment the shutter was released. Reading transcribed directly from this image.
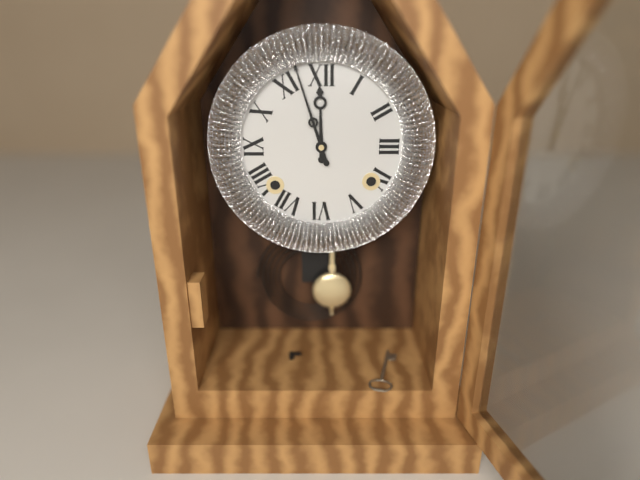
11:57
